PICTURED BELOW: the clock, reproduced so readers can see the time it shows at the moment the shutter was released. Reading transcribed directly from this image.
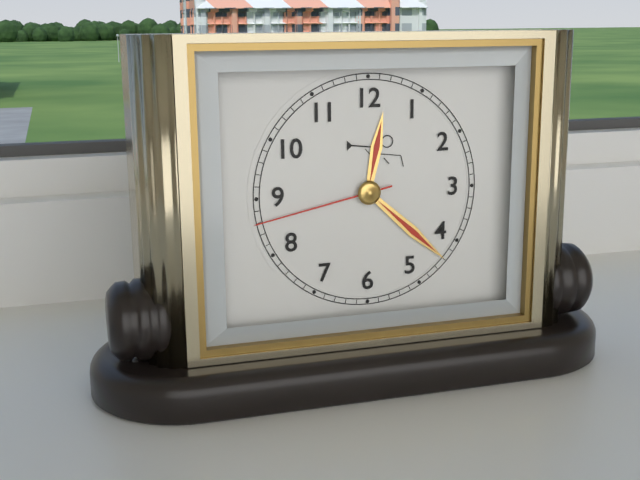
12:22:43
